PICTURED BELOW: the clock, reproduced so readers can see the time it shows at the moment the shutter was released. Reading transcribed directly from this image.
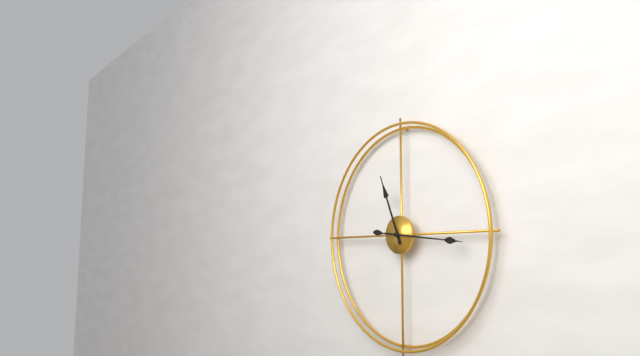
11:16
